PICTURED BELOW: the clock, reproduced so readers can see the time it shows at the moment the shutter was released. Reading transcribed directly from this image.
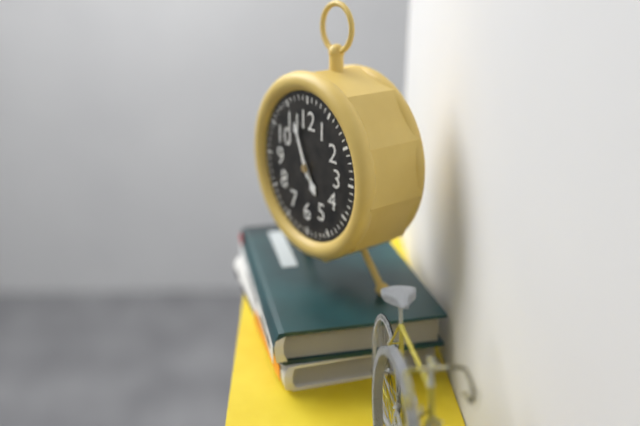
4:56
